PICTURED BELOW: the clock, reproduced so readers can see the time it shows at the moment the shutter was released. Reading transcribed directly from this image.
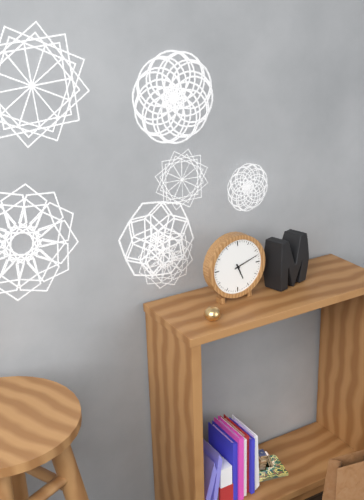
5:12
